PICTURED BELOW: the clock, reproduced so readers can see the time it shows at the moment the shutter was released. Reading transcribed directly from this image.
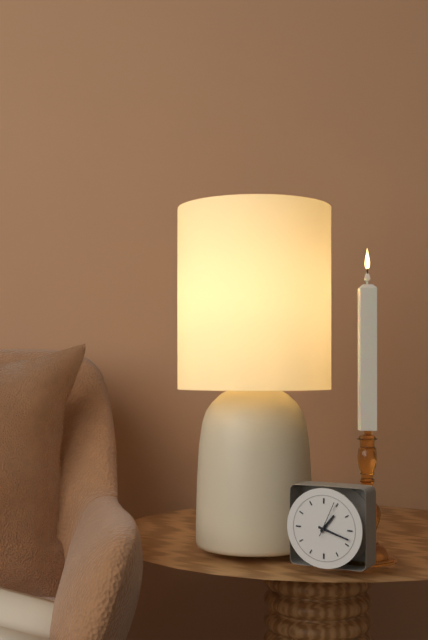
1:18
